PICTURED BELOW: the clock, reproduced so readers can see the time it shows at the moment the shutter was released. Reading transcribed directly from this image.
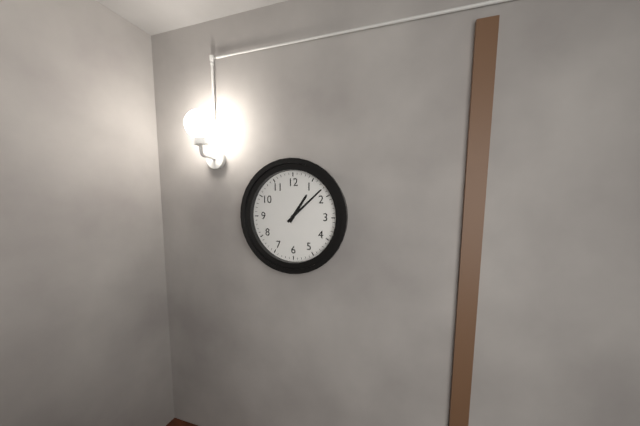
1:08
